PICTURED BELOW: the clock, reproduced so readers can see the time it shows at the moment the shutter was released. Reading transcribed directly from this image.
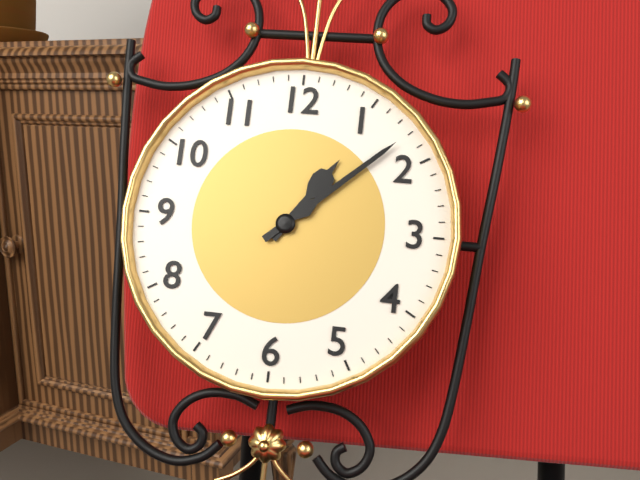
1:08
